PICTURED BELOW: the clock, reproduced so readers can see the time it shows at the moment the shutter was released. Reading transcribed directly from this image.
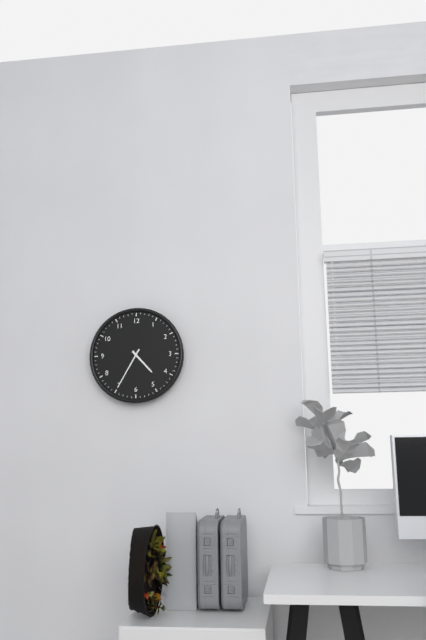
4:35
